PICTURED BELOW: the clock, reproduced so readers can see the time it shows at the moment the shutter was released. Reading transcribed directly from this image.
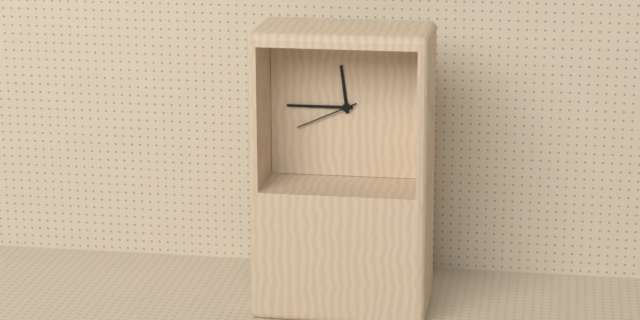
11:45:41
